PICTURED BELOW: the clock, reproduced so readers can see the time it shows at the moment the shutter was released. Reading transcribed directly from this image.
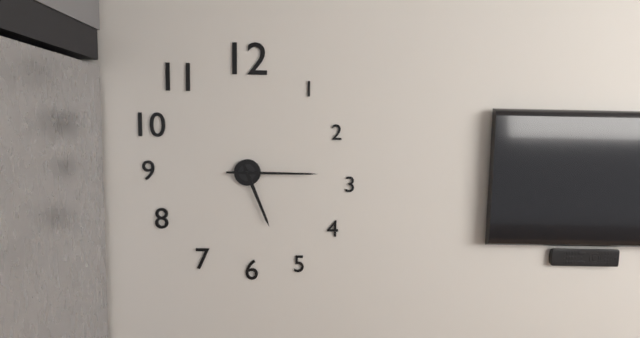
5:15
